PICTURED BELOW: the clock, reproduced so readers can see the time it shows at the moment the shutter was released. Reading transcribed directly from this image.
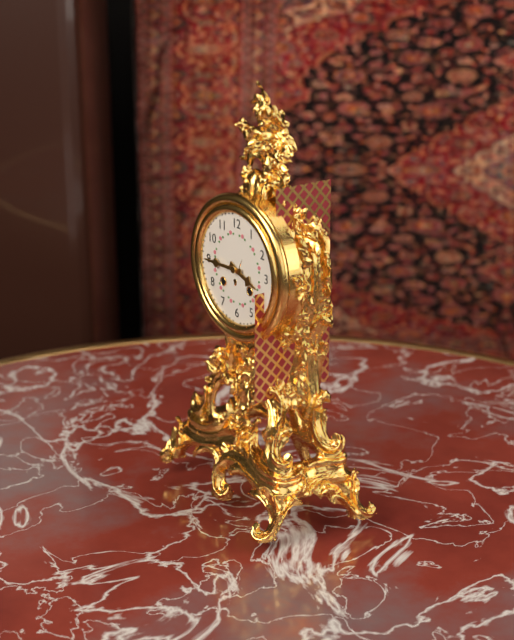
3:45
